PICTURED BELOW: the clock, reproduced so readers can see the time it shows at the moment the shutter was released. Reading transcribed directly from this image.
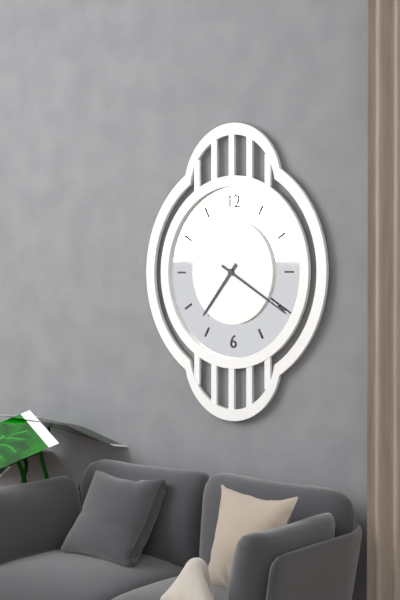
7:20
